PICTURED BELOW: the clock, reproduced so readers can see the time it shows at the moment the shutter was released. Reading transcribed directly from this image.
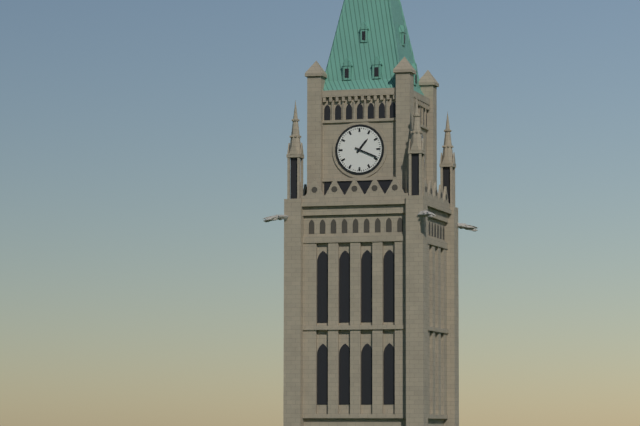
1:19
